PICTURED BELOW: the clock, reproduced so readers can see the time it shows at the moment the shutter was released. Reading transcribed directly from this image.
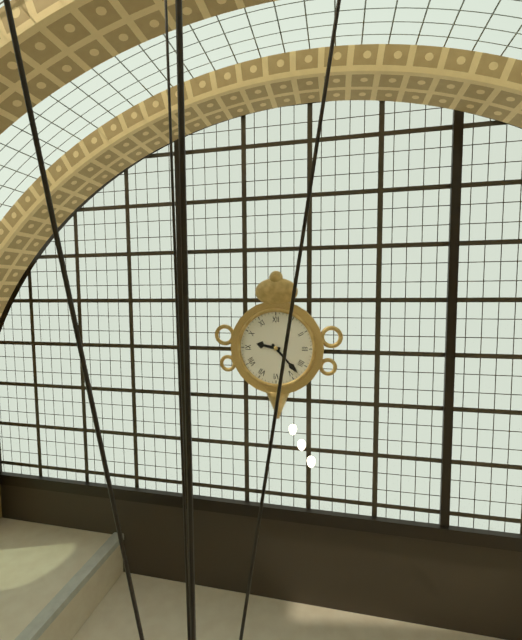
9:23
